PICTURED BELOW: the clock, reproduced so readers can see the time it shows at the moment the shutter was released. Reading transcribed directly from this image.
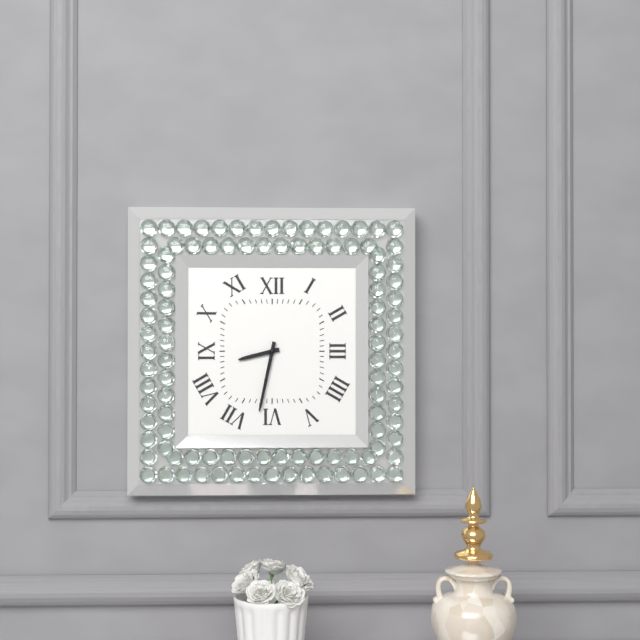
8:32
